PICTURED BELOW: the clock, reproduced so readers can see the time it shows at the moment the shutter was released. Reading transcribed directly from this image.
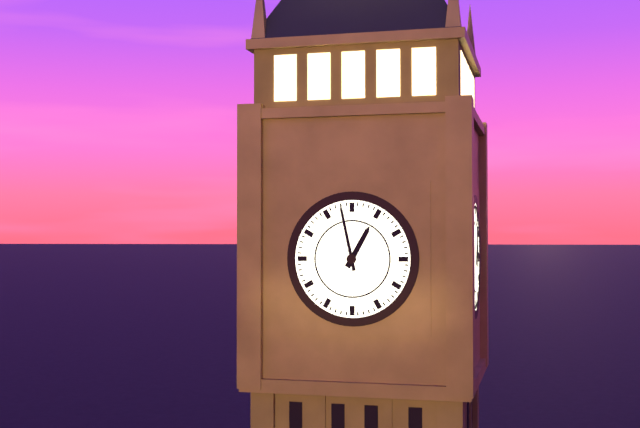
12:58
